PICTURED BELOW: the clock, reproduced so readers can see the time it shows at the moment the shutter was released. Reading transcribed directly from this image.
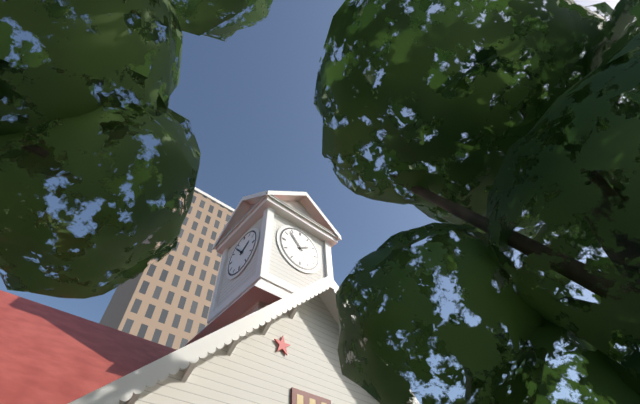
1:53
